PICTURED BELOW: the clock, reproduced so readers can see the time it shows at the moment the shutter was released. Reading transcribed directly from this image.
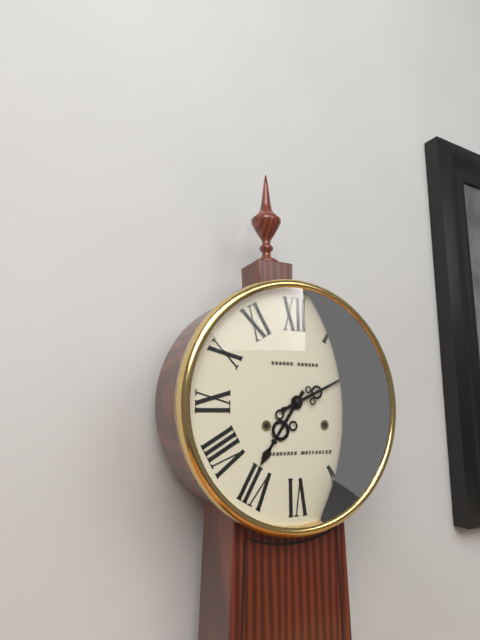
7:11
